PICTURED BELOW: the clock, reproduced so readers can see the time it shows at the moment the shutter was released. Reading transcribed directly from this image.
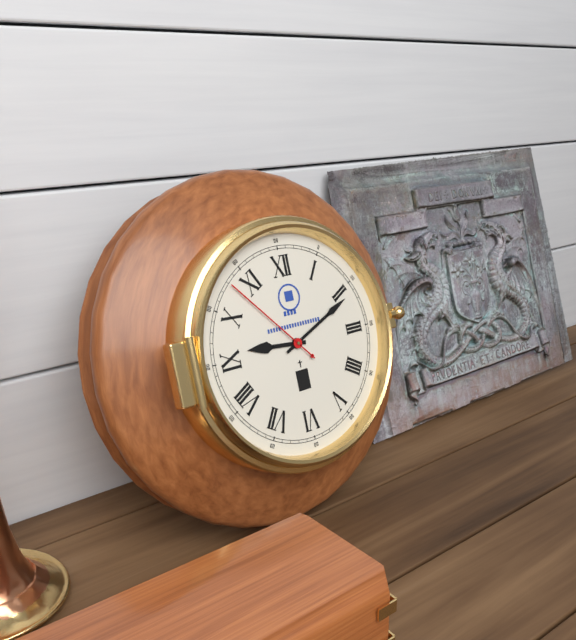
9:11:53
